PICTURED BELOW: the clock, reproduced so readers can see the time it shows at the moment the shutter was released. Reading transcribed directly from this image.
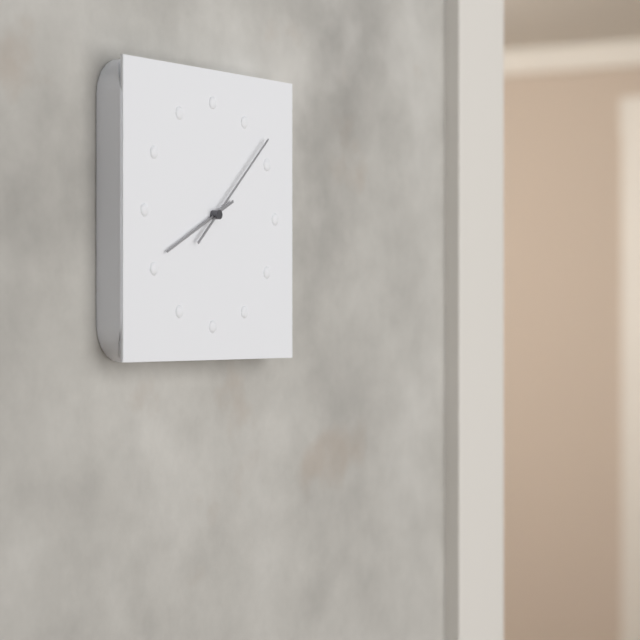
8:08
